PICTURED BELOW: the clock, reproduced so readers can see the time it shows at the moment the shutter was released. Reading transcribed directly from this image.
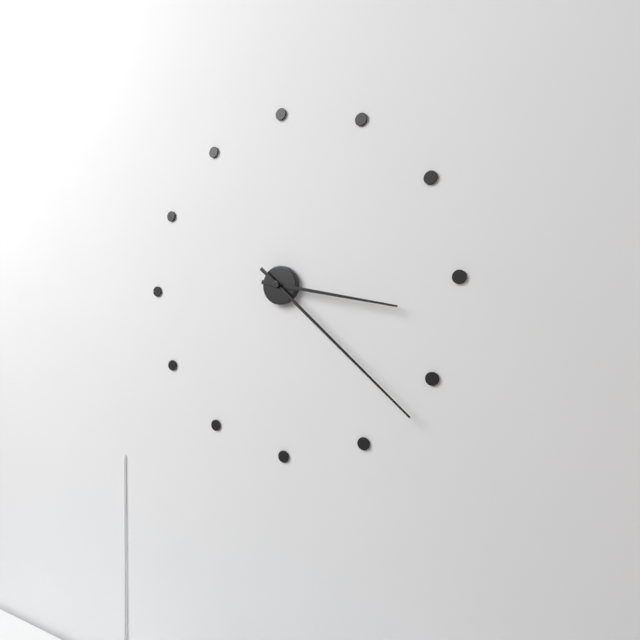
3:22
